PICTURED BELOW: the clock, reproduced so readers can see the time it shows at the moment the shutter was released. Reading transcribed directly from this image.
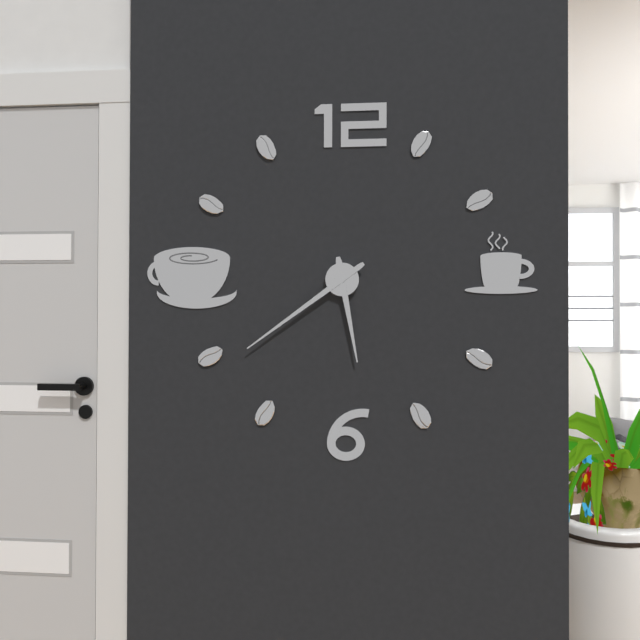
5:39
